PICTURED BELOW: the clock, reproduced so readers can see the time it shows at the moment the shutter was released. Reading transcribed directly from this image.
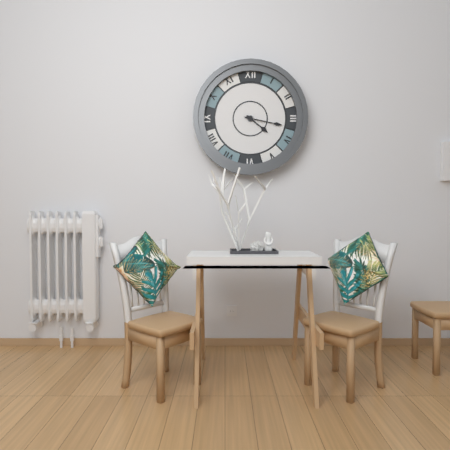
4:17
